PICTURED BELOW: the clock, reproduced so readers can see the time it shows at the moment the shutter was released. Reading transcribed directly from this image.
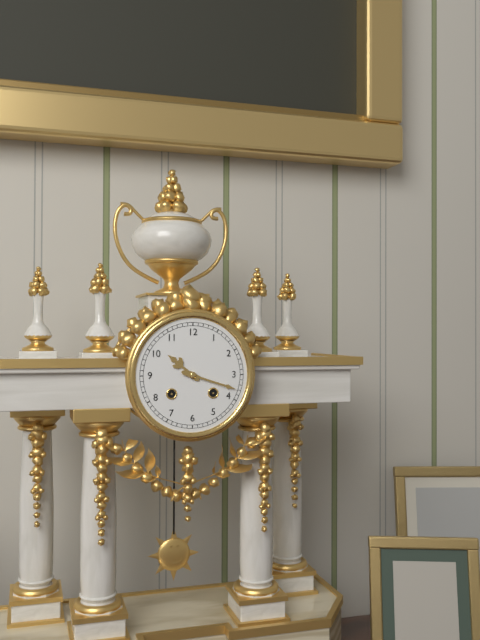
10:18
